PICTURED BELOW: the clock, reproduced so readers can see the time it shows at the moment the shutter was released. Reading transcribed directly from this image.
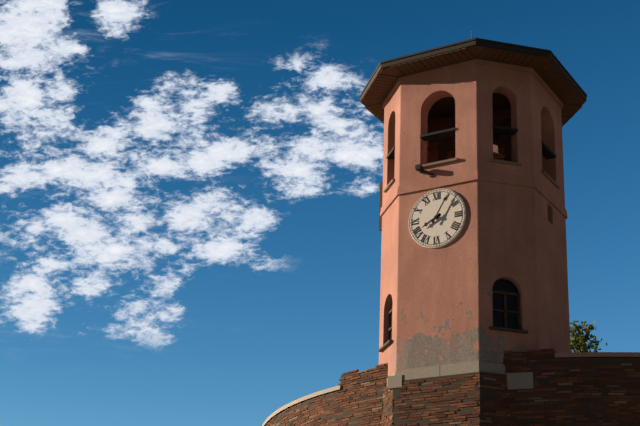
8:05
